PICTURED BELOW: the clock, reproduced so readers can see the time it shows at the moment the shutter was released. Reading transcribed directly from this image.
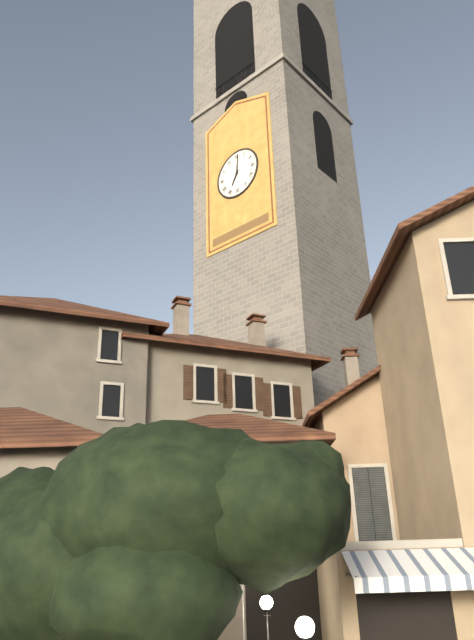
7:01
